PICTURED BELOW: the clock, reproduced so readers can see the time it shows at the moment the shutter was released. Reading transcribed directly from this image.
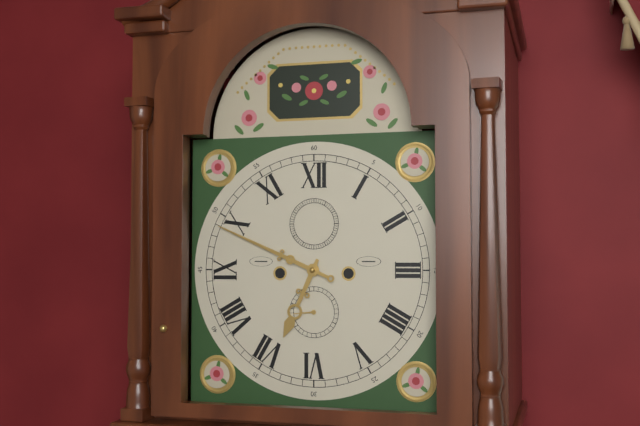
6:49
